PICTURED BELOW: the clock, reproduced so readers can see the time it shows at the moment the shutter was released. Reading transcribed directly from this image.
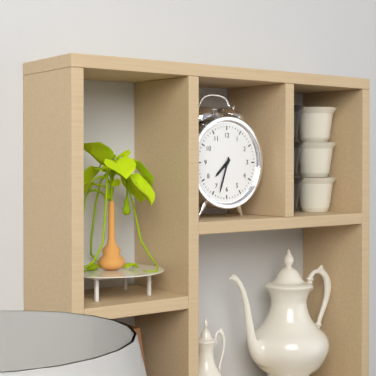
7:33
